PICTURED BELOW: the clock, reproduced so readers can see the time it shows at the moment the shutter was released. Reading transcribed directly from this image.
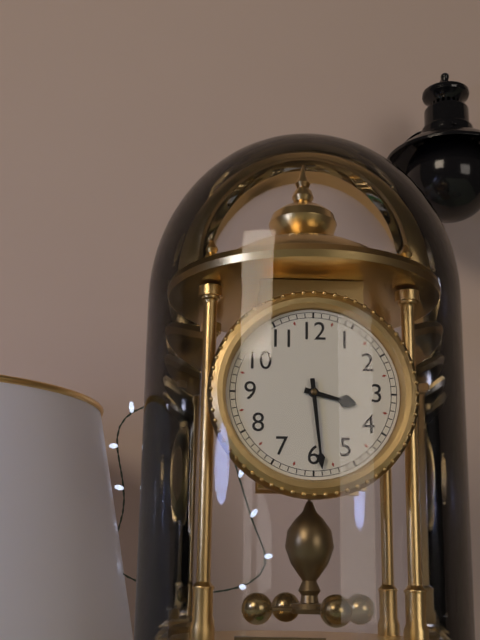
3:29
